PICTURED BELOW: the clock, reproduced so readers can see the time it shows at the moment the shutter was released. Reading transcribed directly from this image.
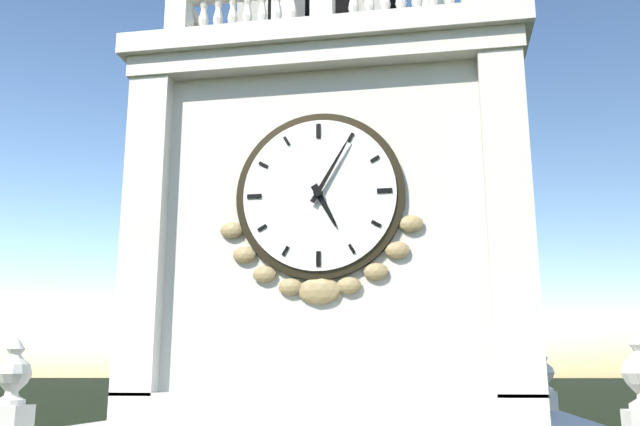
5:05
